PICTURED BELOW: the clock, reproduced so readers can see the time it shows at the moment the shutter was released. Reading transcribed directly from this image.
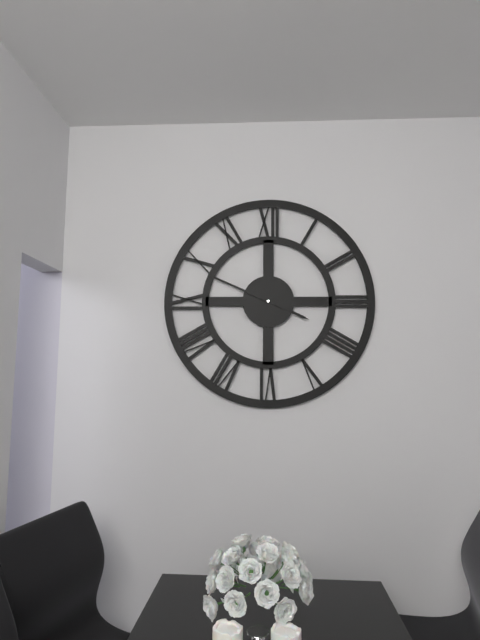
3:49
